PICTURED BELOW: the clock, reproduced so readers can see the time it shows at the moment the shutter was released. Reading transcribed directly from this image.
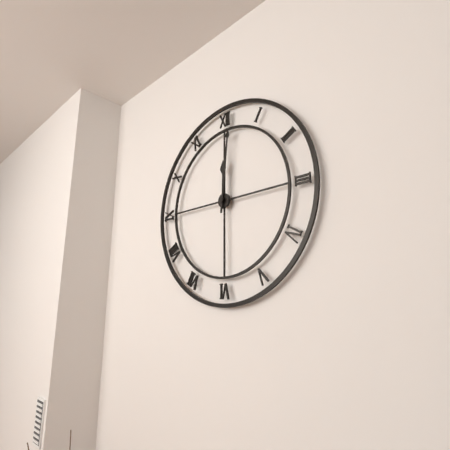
12:01
